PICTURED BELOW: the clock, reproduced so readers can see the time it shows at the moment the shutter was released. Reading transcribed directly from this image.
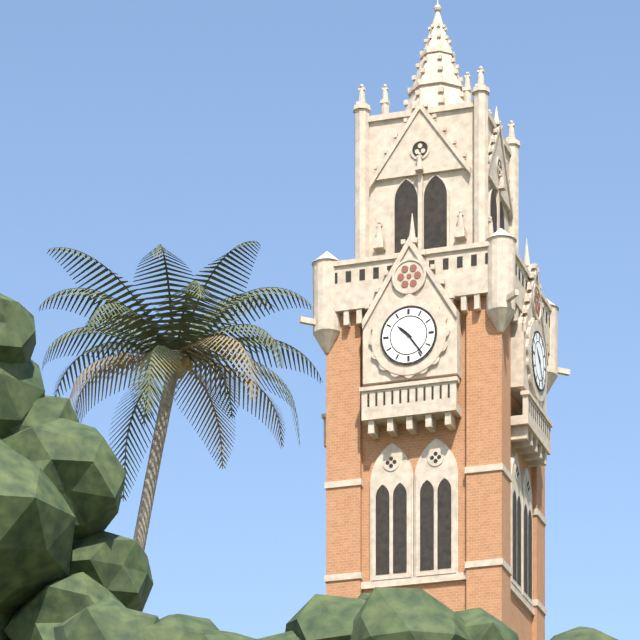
10:24
